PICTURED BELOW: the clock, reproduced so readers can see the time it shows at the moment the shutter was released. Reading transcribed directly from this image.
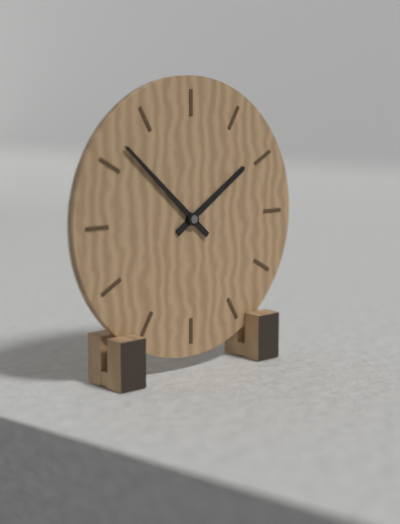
1:52
